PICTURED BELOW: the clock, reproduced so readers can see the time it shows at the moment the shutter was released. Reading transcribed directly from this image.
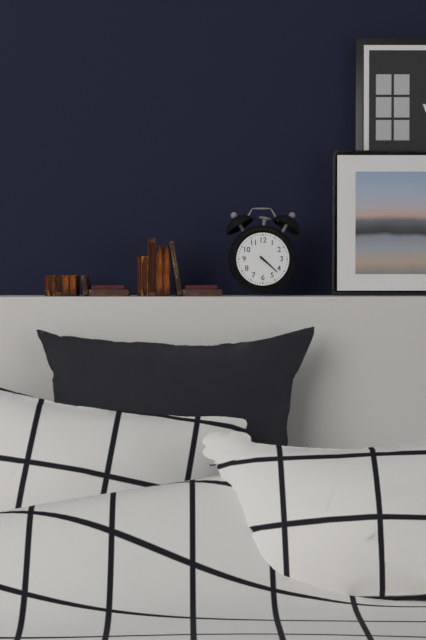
4:22
